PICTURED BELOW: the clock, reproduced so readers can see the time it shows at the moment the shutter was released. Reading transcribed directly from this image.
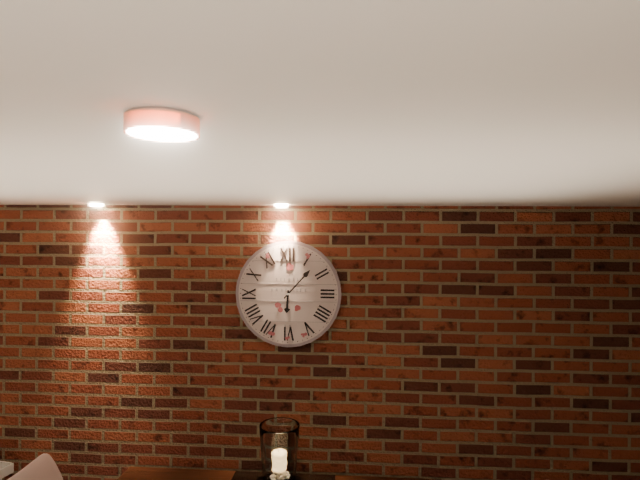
6:07
